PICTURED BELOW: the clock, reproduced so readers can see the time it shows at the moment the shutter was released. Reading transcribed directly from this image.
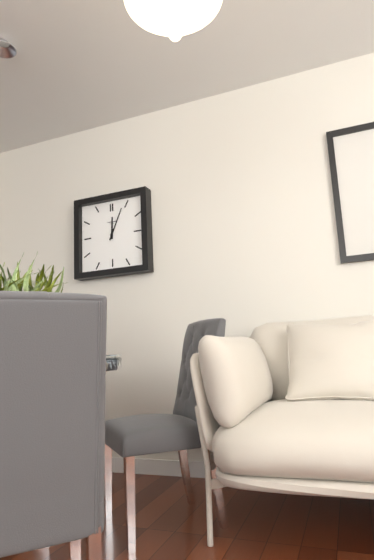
12:04
